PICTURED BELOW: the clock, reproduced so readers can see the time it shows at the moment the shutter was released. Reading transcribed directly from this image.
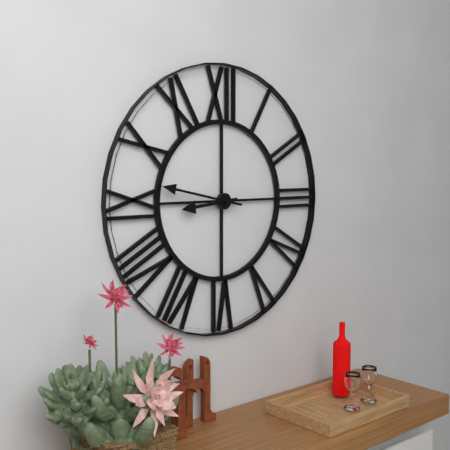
8:47
